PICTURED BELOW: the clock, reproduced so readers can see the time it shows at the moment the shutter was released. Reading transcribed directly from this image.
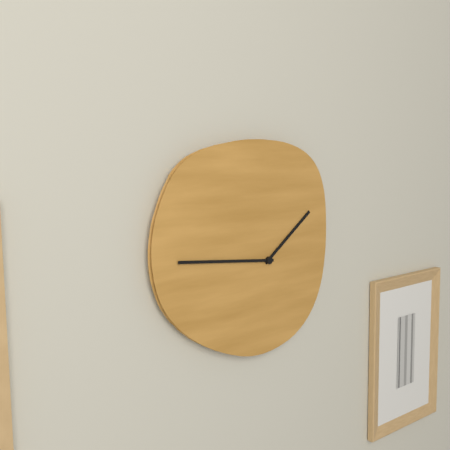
1:46
